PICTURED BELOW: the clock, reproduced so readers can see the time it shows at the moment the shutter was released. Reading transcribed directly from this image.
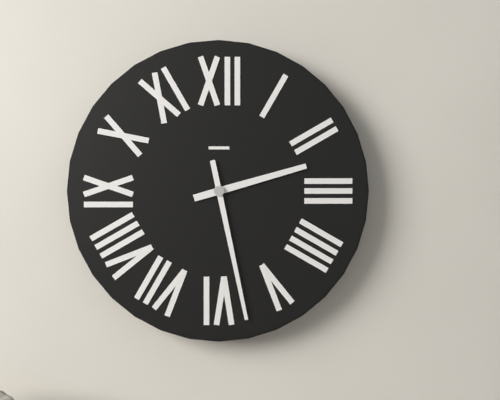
2:28
